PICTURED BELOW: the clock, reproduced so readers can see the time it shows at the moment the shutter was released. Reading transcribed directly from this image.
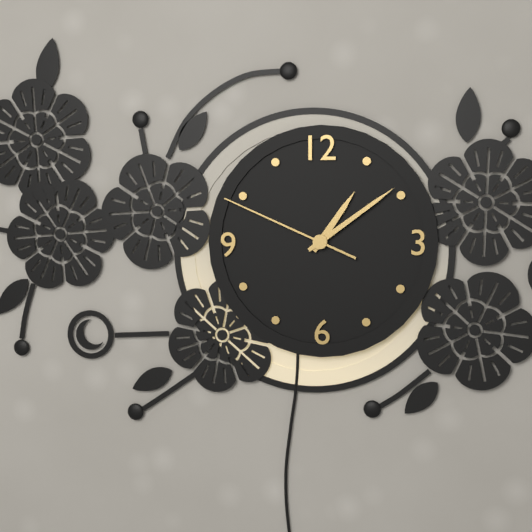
1:09:49
